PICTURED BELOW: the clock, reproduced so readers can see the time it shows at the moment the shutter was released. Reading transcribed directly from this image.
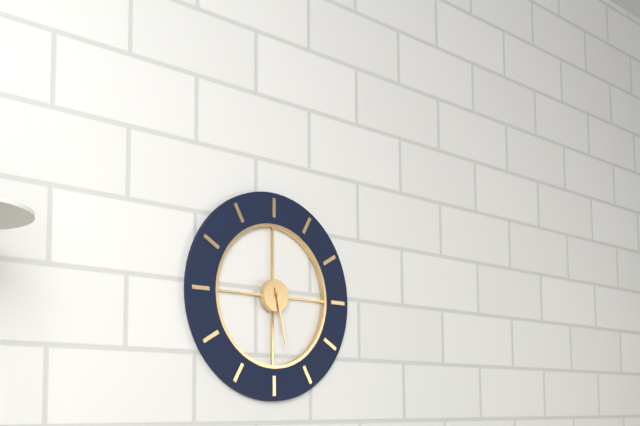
5:28
